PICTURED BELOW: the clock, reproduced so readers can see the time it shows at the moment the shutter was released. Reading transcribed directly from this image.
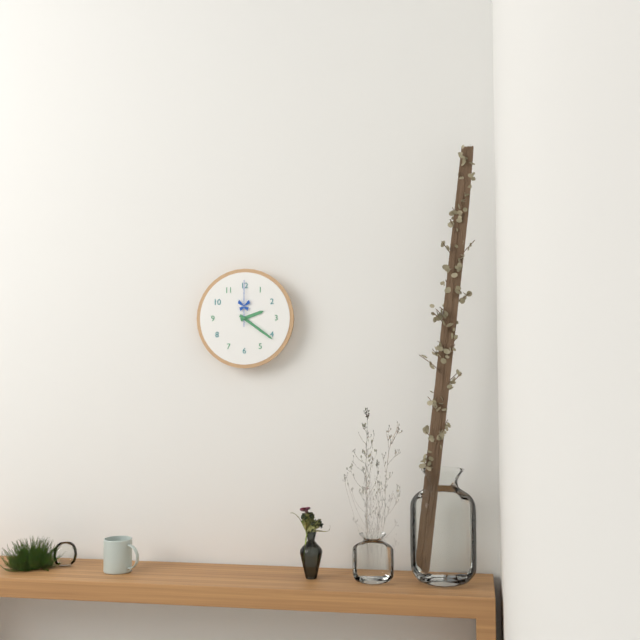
2:21
